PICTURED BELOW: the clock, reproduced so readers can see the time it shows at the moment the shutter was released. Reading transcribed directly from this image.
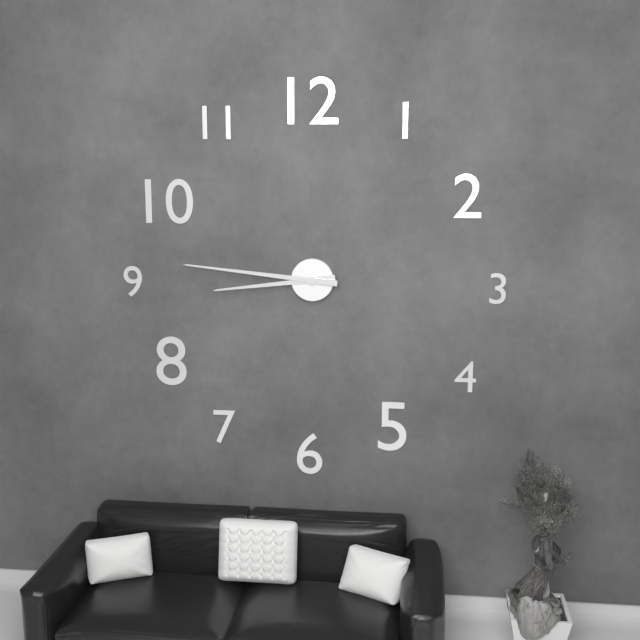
8:46
